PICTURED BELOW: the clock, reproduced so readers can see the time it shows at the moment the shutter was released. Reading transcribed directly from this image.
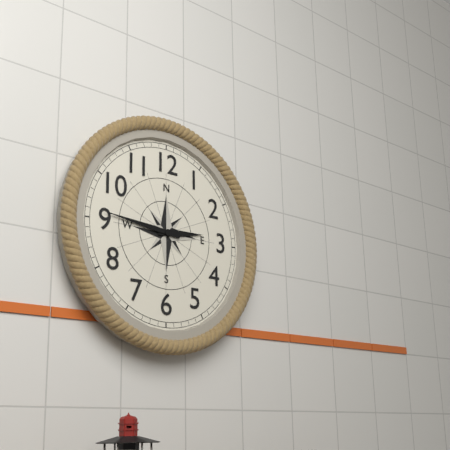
2:46
